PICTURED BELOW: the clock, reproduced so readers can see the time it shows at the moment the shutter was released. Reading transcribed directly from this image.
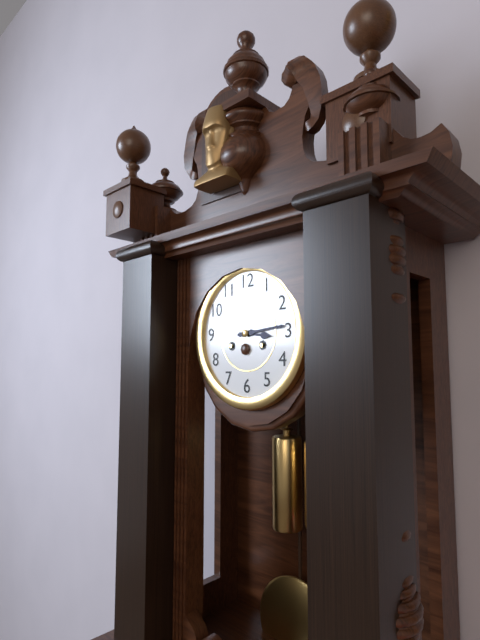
3:14
